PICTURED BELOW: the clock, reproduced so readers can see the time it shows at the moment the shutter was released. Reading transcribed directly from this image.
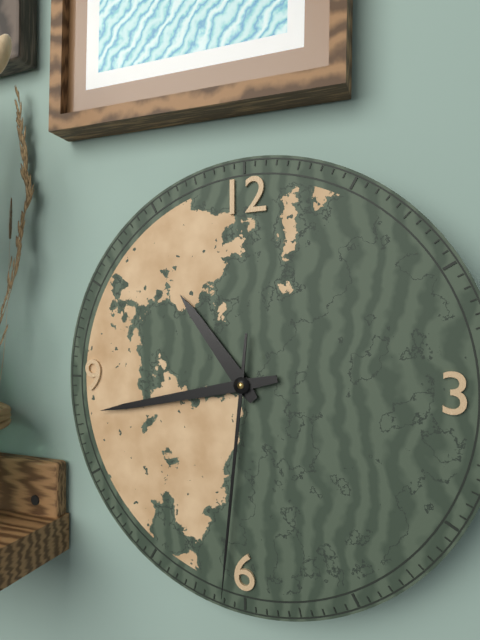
10:43:31
